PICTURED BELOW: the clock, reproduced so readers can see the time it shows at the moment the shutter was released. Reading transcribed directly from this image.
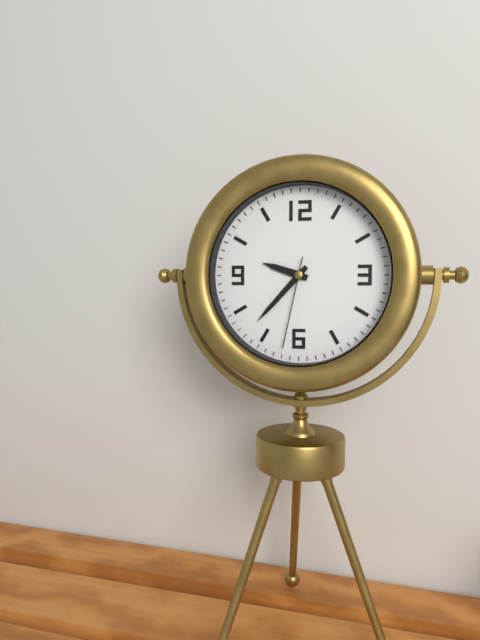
9:37:32
